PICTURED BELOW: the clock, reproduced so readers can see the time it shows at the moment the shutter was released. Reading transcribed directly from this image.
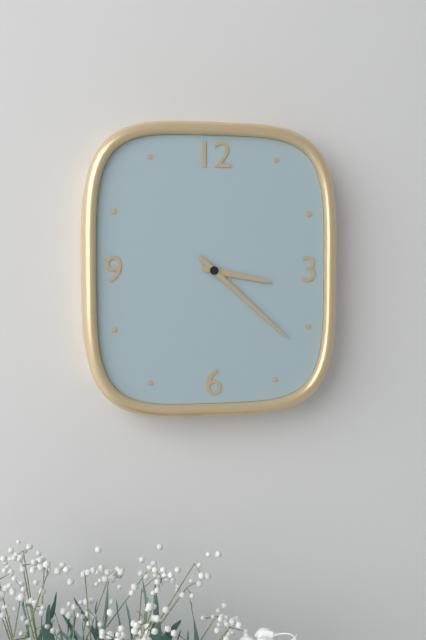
3:22
